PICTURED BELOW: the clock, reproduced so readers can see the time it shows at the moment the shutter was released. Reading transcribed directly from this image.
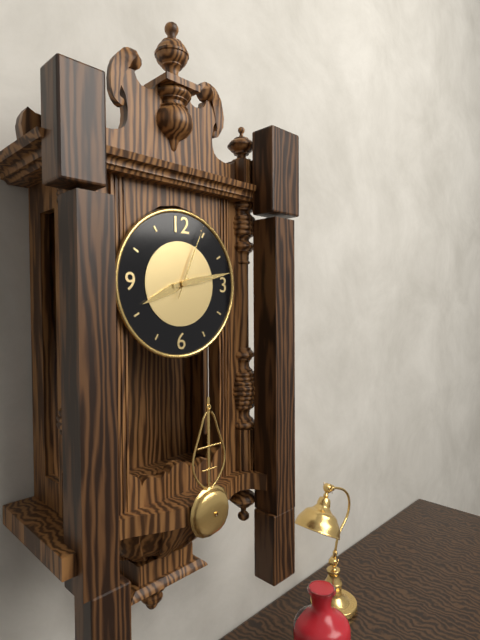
8:13:04
